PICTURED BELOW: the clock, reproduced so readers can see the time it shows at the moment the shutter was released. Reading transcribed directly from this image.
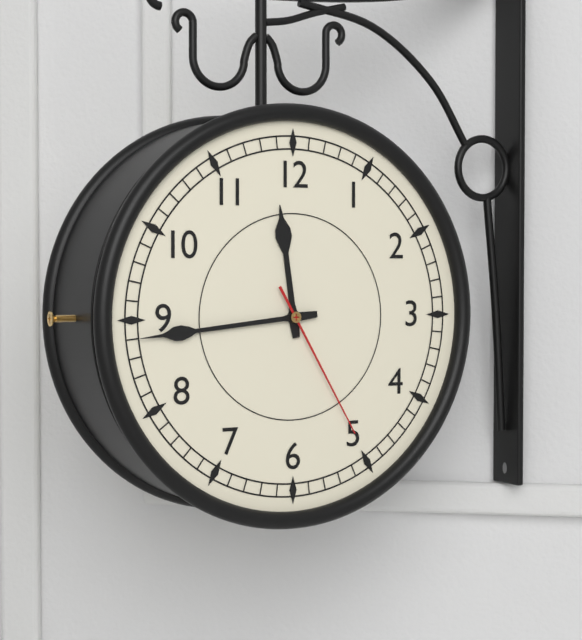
11:44:25
